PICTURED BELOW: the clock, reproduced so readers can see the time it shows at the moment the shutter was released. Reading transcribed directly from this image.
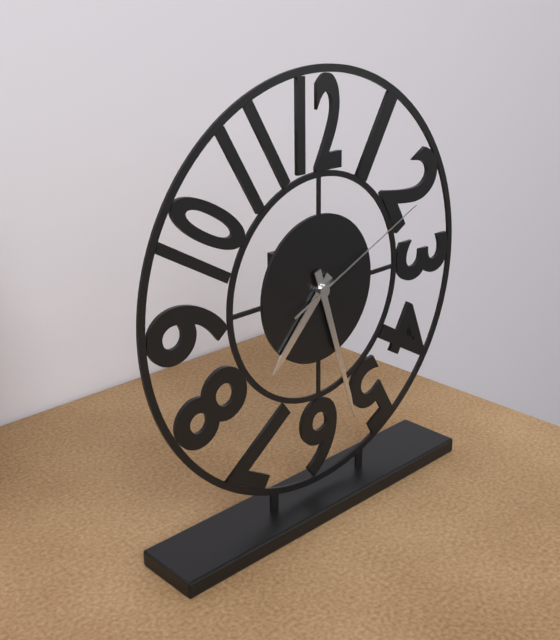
7:27:11
